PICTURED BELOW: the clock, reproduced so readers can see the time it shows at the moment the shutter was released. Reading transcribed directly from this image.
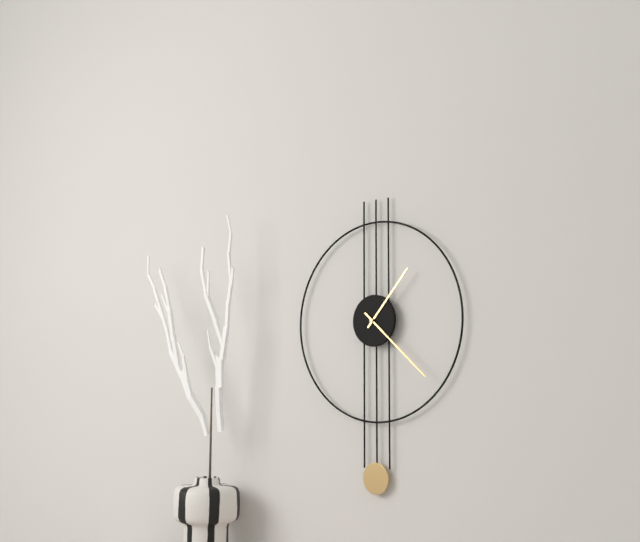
1:22
